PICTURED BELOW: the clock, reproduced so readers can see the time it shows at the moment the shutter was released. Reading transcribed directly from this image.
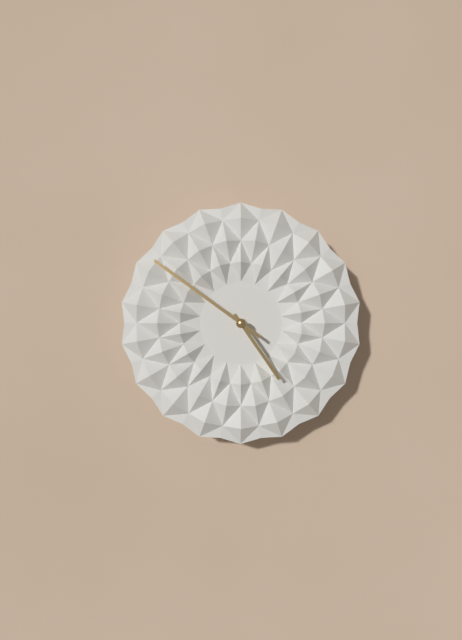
4:51
